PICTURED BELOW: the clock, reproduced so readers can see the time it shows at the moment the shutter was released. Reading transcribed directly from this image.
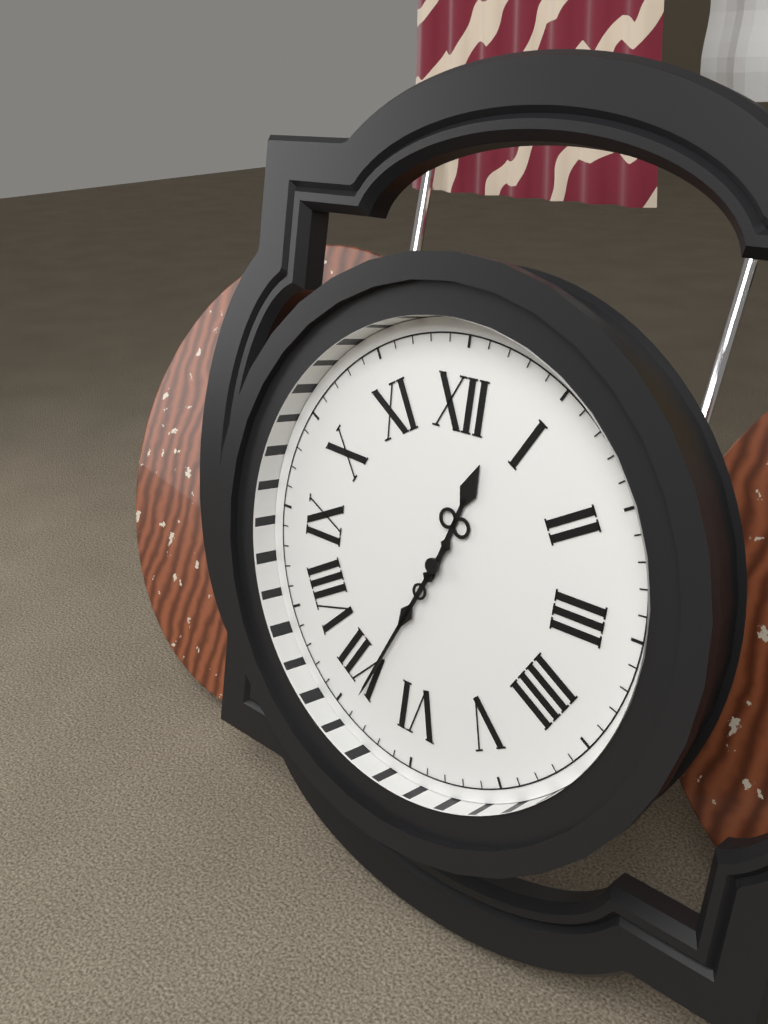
12:34
